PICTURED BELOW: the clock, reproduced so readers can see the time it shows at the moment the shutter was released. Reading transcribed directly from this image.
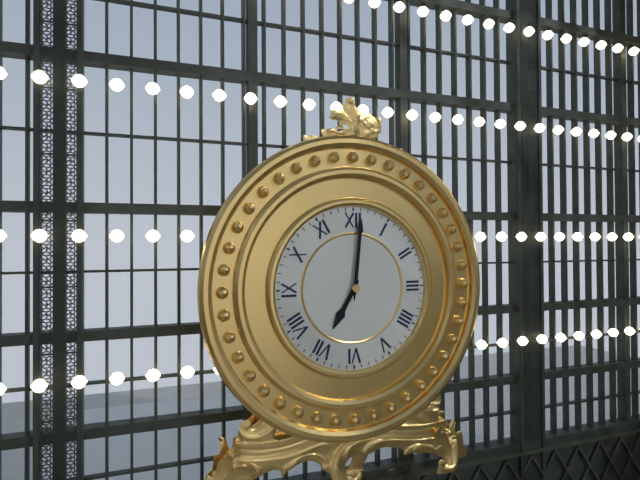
7:01
